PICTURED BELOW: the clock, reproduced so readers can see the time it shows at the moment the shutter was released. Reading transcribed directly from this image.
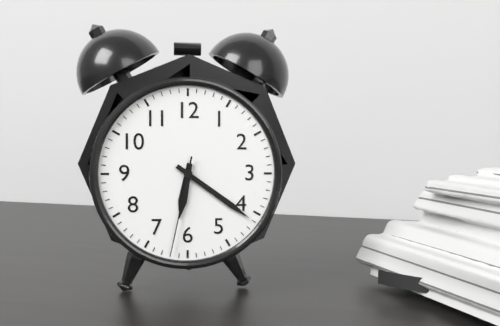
6:21:32
